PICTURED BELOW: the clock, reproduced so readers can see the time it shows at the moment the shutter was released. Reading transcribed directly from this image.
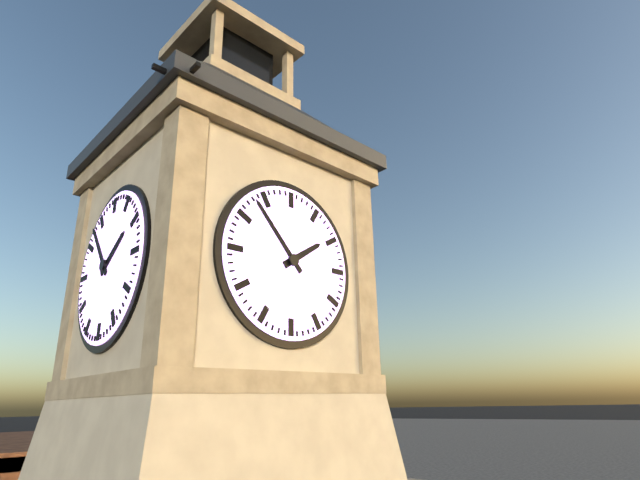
1:53
